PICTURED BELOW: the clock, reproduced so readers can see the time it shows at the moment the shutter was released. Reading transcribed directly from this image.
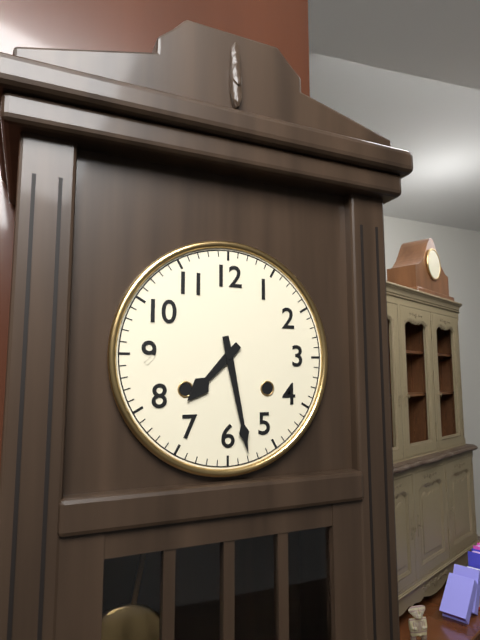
7:28
